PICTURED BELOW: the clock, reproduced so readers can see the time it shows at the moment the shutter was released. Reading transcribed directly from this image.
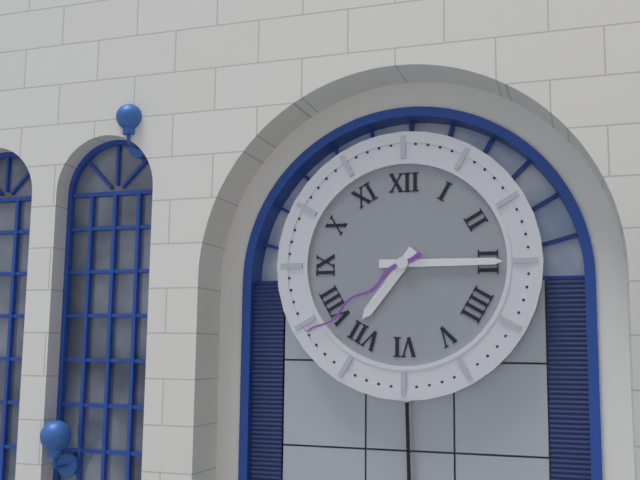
7:15:39
